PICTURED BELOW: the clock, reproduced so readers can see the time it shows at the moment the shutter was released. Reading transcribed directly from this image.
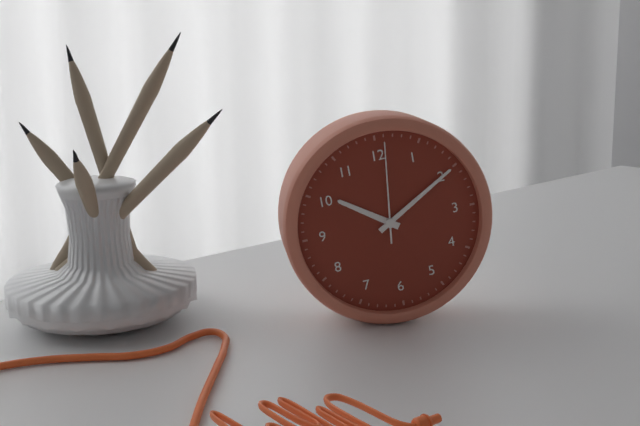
10:10:01
